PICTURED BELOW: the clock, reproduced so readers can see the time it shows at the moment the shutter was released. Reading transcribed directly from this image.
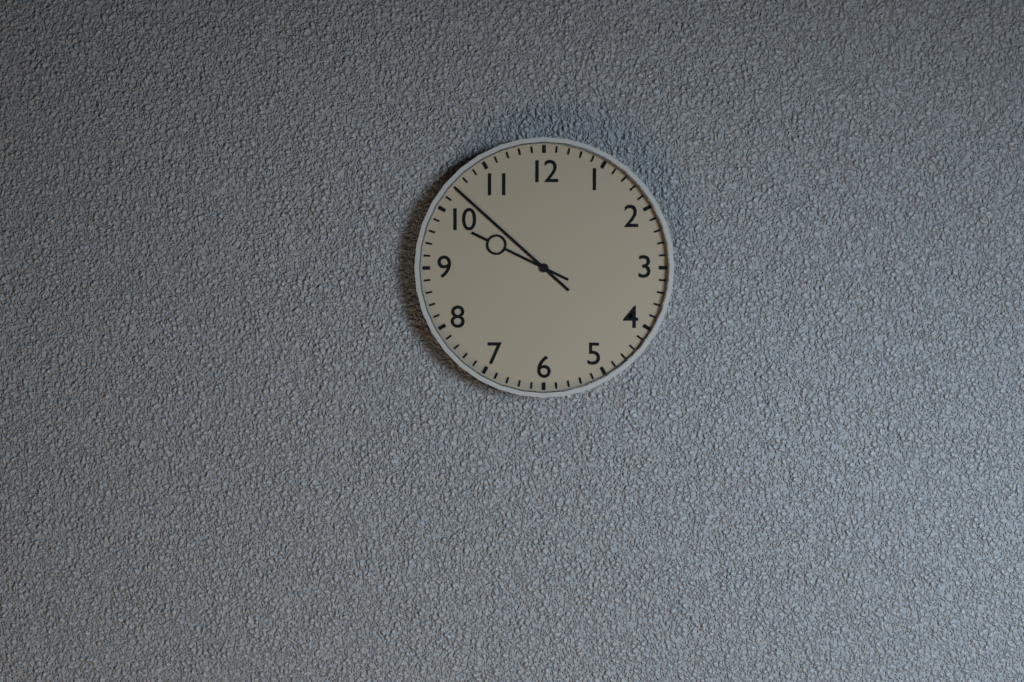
9:52
